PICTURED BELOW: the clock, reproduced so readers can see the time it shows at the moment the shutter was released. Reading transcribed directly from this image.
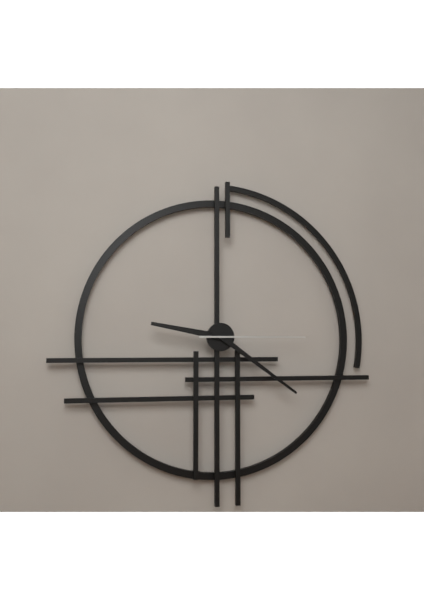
9:21:15
